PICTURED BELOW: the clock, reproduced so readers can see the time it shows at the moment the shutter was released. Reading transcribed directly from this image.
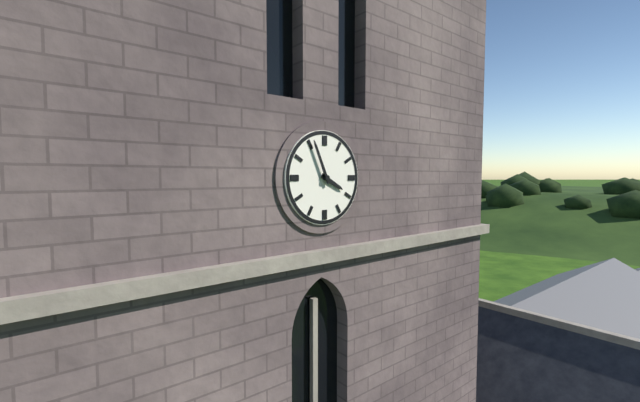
3:56
